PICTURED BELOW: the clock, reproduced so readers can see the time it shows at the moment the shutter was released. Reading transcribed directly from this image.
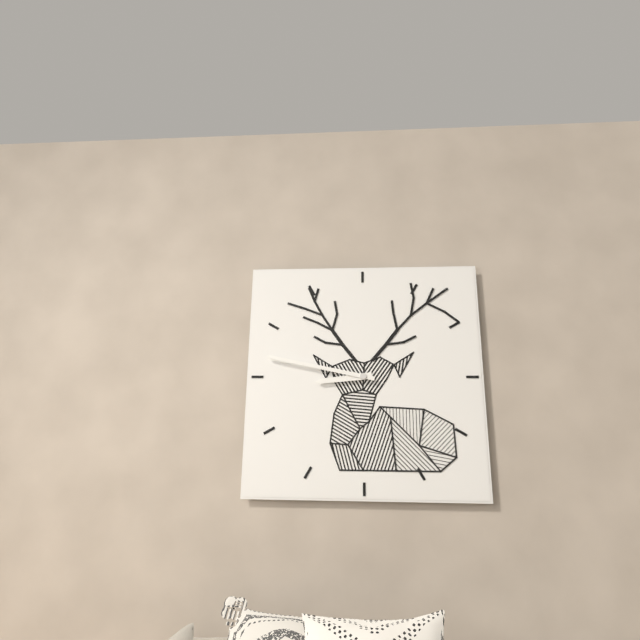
8:47
